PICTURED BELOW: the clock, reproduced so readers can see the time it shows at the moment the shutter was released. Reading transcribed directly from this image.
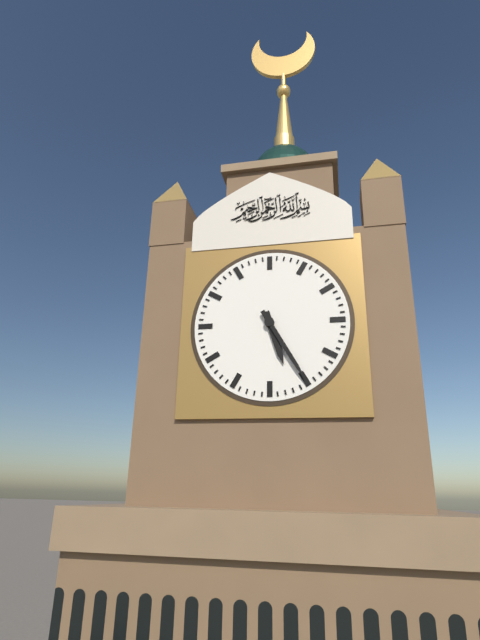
5:25
